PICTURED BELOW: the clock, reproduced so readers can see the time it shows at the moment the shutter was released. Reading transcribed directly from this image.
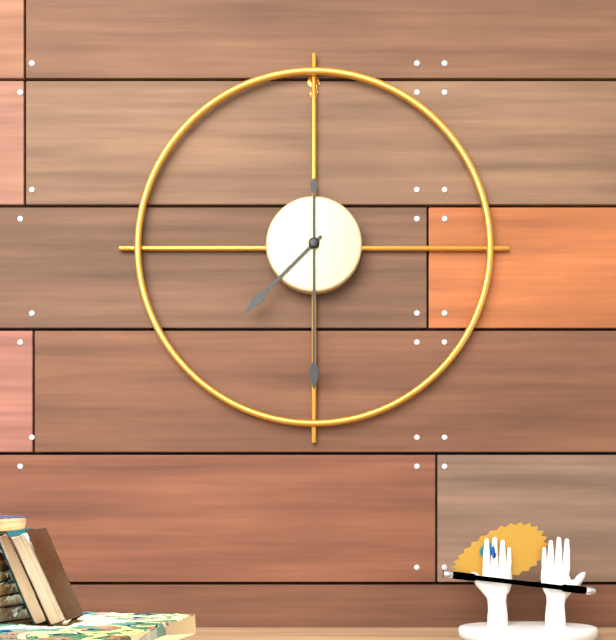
7:30
